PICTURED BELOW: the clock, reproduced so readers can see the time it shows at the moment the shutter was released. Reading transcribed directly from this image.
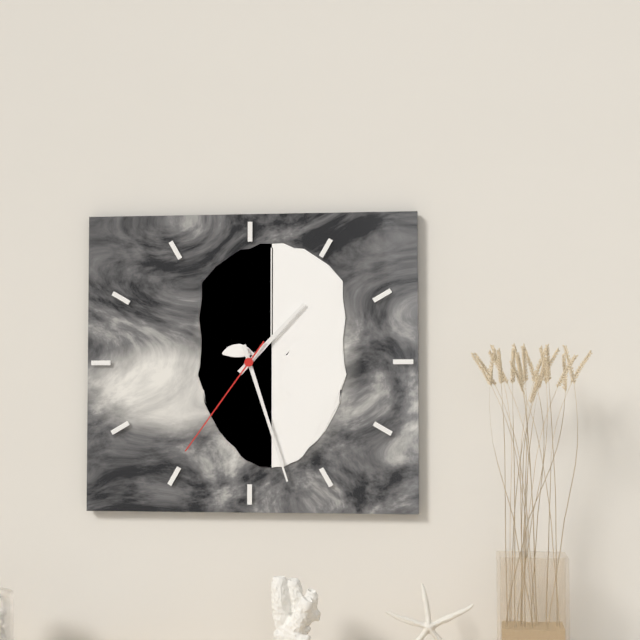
1:27:36
